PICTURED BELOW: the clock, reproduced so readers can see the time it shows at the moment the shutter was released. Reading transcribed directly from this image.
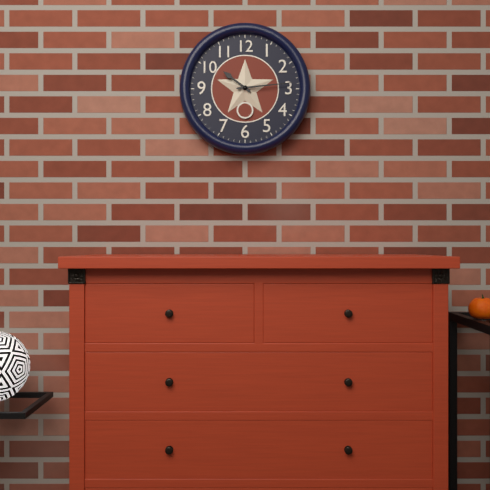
10:14
